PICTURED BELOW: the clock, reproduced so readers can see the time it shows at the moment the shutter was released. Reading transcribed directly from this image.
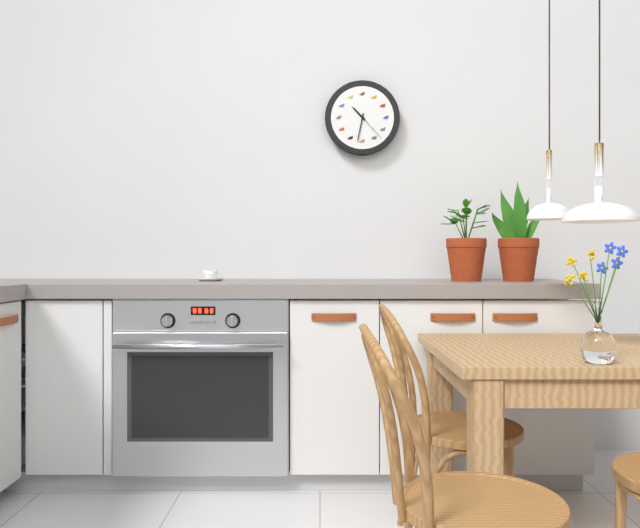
10:32
